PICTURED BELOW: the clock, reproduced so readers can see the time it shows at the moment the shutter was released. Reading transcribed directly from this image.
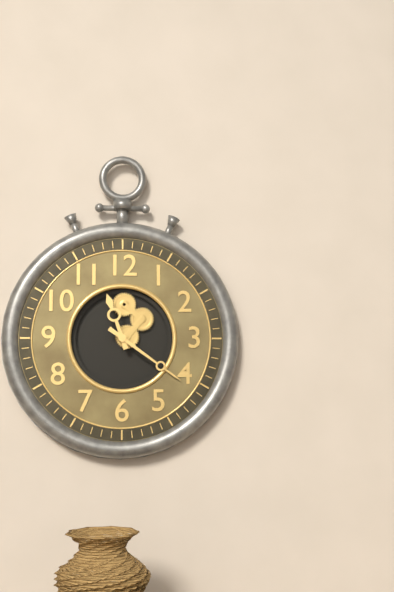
11:21
